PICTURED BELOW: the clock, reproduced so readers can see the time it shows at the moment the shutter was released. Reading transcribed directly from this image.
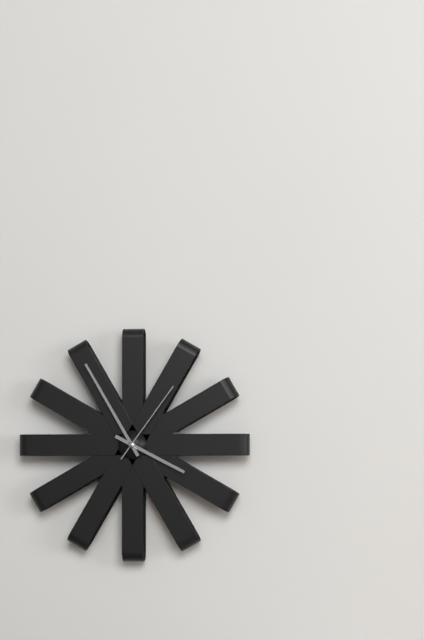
3:55:06
